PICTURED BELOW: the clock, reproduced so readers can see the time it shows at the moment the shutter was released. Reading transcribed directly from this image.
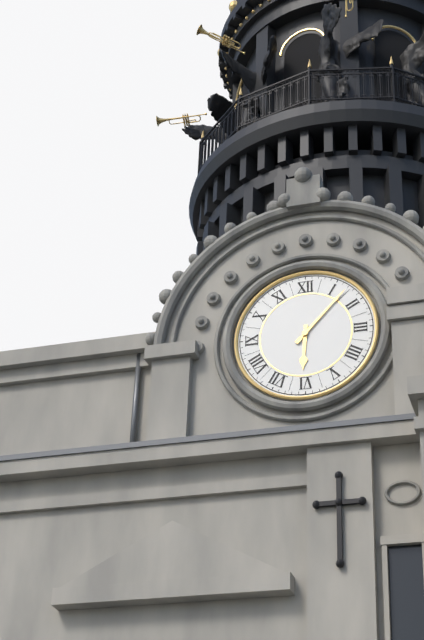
6:07
